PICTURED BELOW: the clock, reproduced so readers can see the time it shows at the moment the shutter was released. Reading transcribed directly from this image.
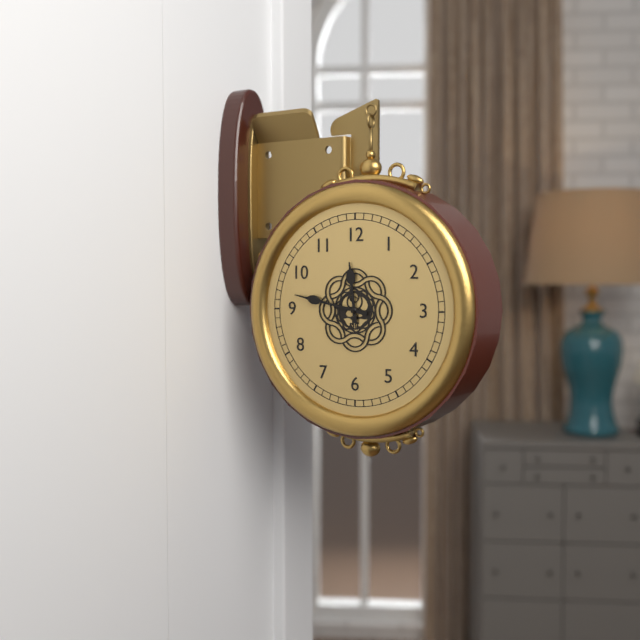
11:47
